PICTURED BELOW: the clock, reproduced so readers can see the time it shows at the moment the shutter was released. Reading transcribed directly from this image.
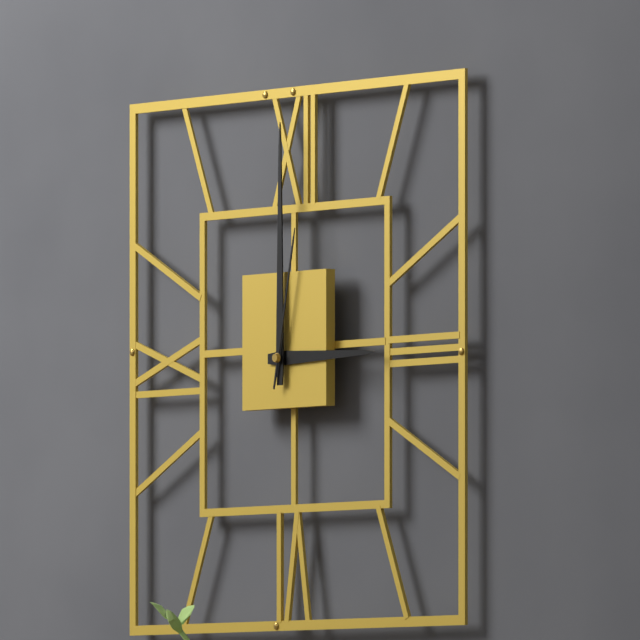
3:00:02
